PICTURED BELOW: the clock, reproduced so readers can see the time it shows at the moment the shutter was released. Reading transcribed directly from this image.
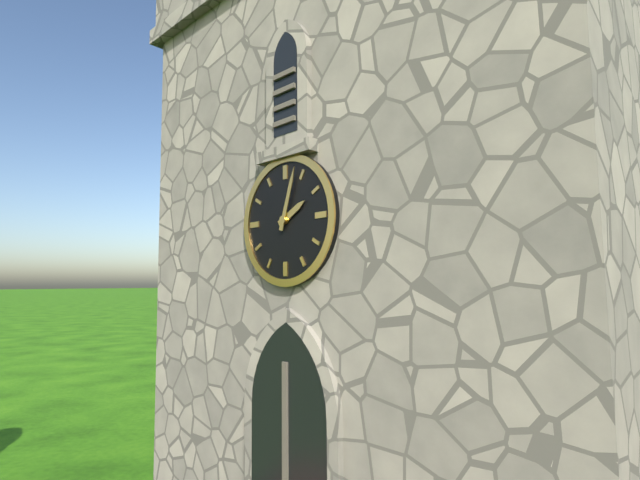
2:03
